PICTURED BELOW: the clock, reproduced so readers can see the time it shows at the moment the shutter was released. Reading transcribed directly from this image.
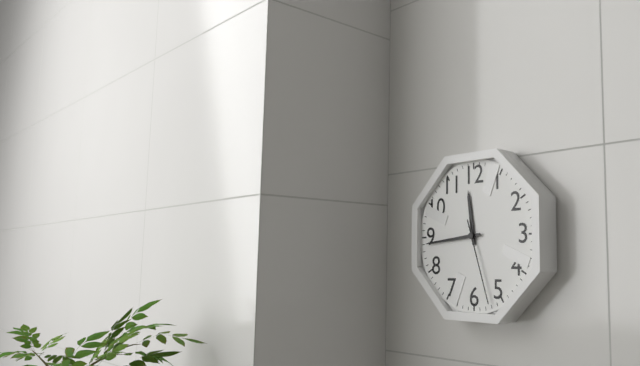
11:44:27
